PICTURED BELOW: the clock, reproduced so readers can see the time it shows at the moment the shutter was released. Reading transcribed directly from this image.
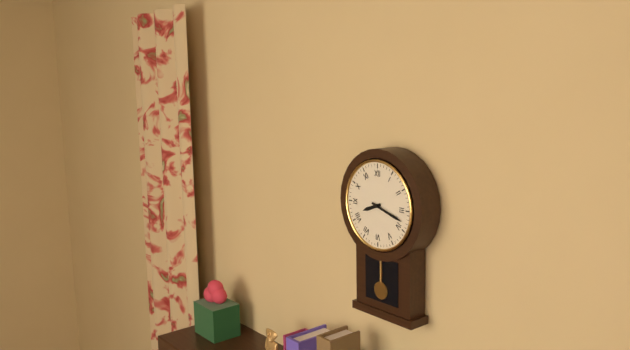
8:18
